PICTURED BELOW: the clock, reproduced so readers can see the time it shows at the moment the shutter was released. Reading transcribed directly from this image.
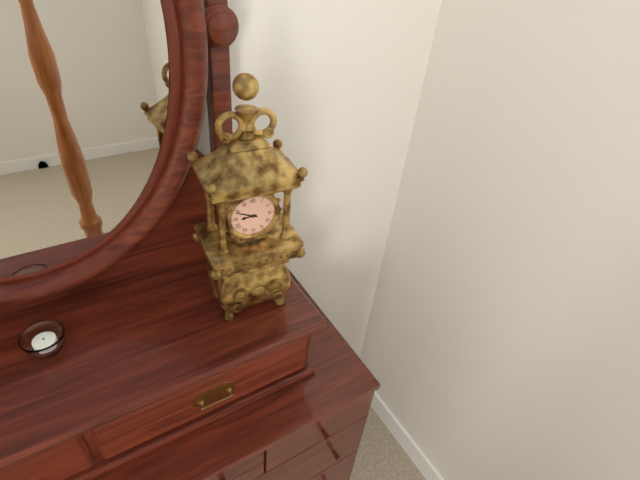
8:49
